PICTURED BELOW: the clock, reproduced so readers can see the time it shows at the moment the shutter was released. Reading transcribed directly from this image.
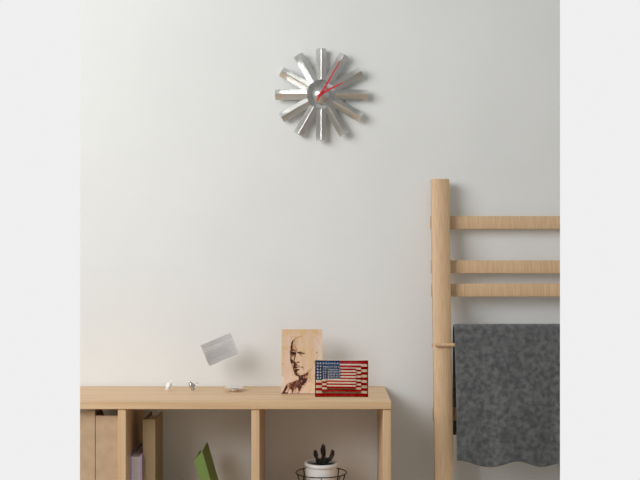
2:05
